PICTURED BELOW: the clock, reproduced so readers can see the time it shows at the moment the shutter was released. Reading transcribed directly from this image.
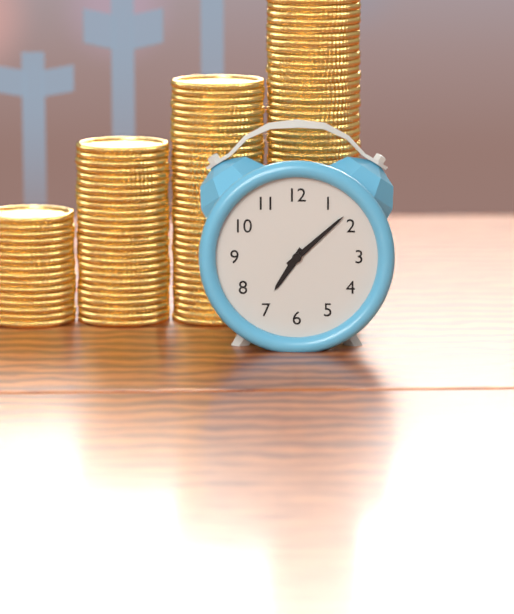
7:08
